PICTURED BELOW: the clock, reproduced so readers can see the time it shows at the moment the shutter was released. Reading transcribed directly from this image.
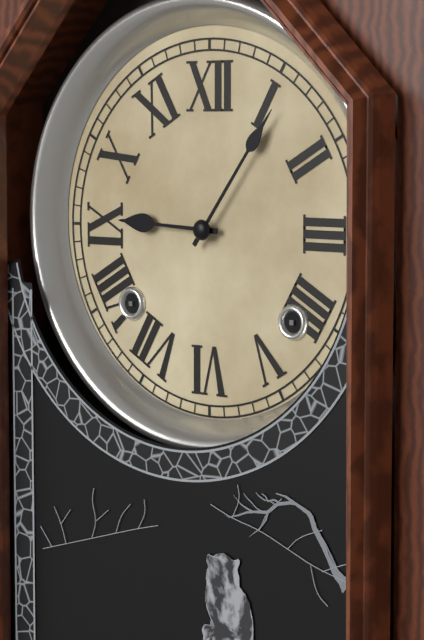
9:06
